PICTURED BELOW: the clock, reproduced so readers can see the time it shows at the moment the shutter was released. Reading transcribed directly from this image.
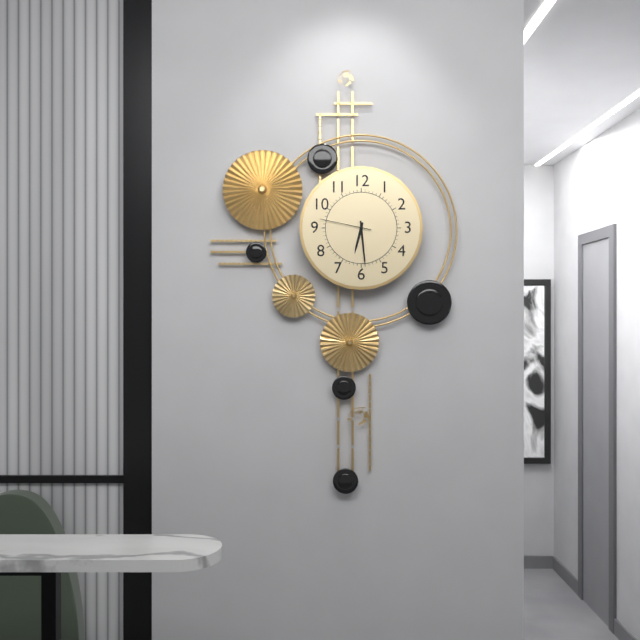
6:29:47
